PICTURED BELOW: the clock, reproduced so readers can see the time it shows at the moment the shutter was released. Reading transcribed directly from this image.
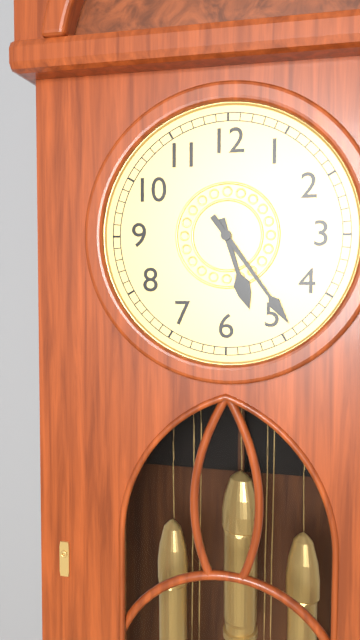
5:24
